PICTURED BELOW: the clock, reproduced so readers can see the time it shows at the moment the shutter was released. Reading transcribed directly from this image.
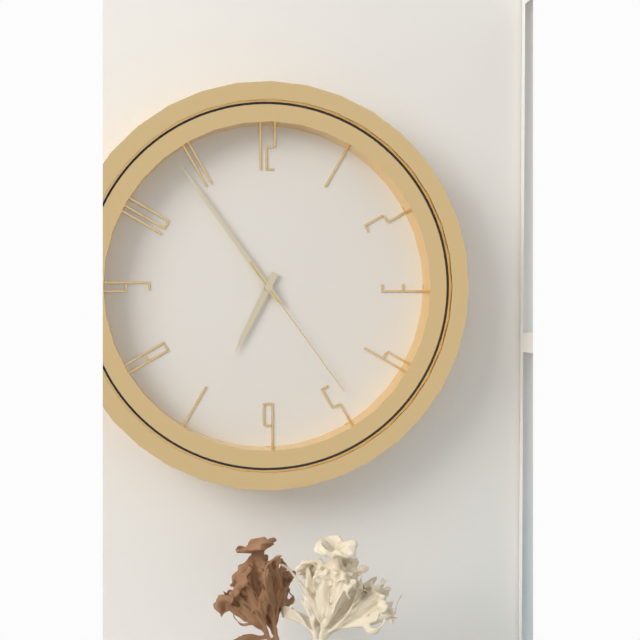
6:54:24
